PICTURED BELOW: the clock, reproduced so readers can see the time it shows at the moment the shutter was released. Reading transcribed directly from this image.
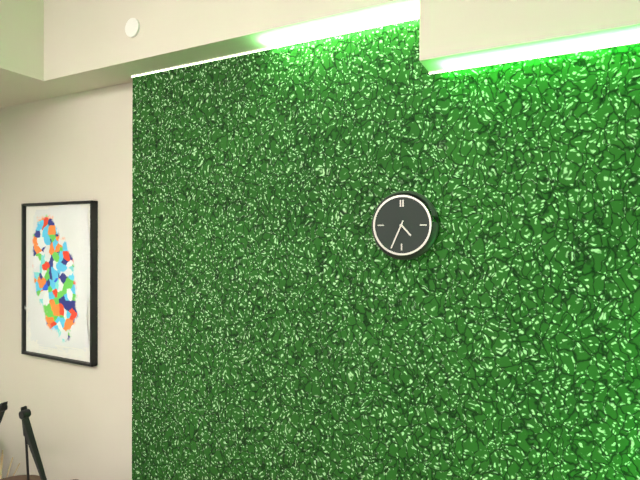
4:34
